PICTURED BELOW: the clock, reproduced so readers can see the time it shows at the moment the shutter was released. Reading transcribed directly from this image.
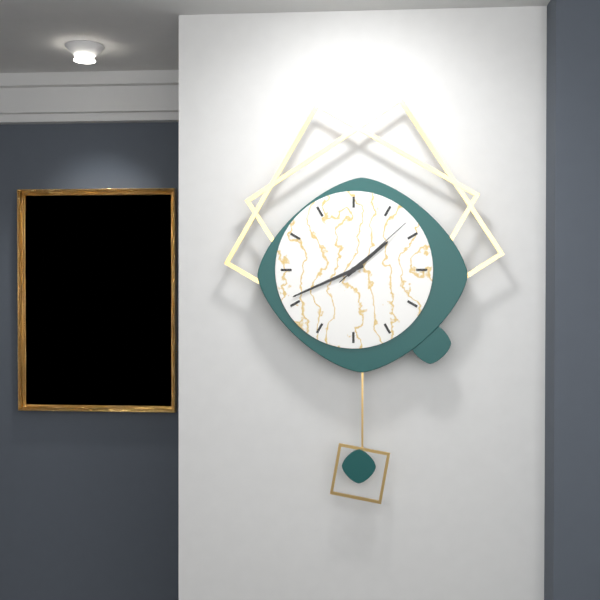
1:41:08
